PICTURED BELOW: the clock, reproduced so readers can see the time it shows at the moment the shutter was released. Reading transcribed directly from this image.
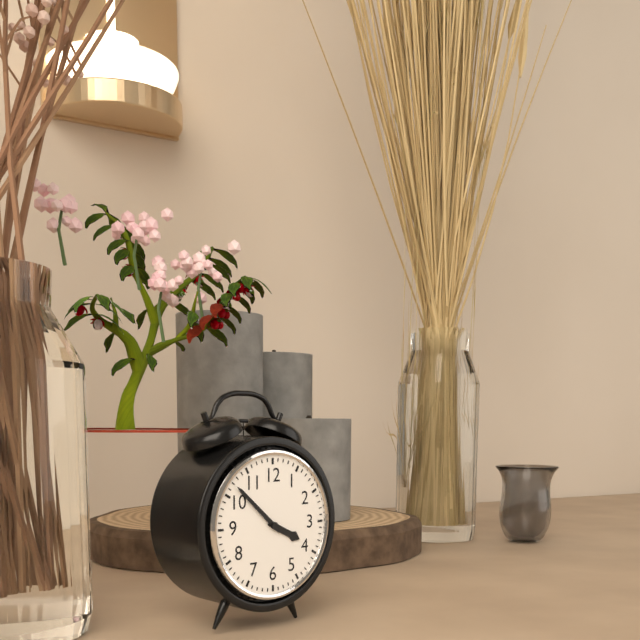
3:52
